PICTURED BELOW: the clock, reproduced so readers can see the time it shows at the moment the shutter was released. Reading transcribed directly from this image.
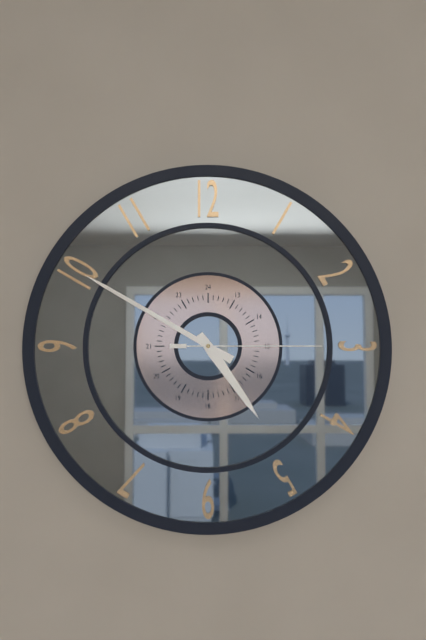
4:50:15
